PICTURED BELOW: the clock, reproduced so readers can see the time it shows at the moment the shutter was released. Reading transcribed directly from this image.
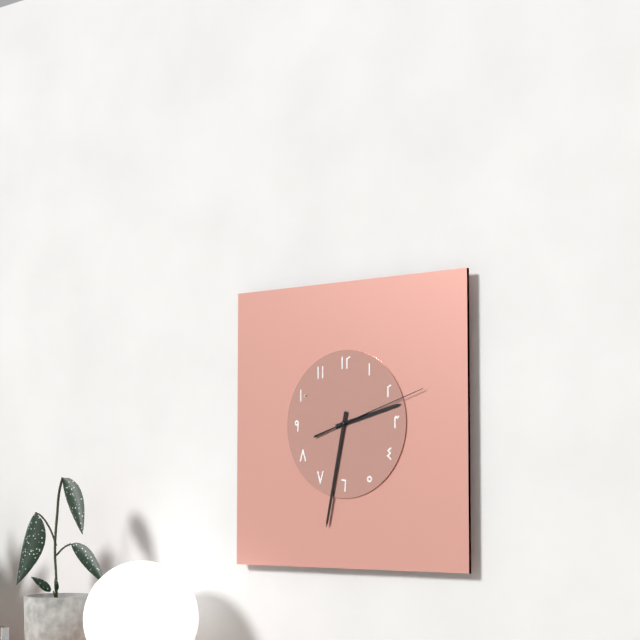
2:32:12
